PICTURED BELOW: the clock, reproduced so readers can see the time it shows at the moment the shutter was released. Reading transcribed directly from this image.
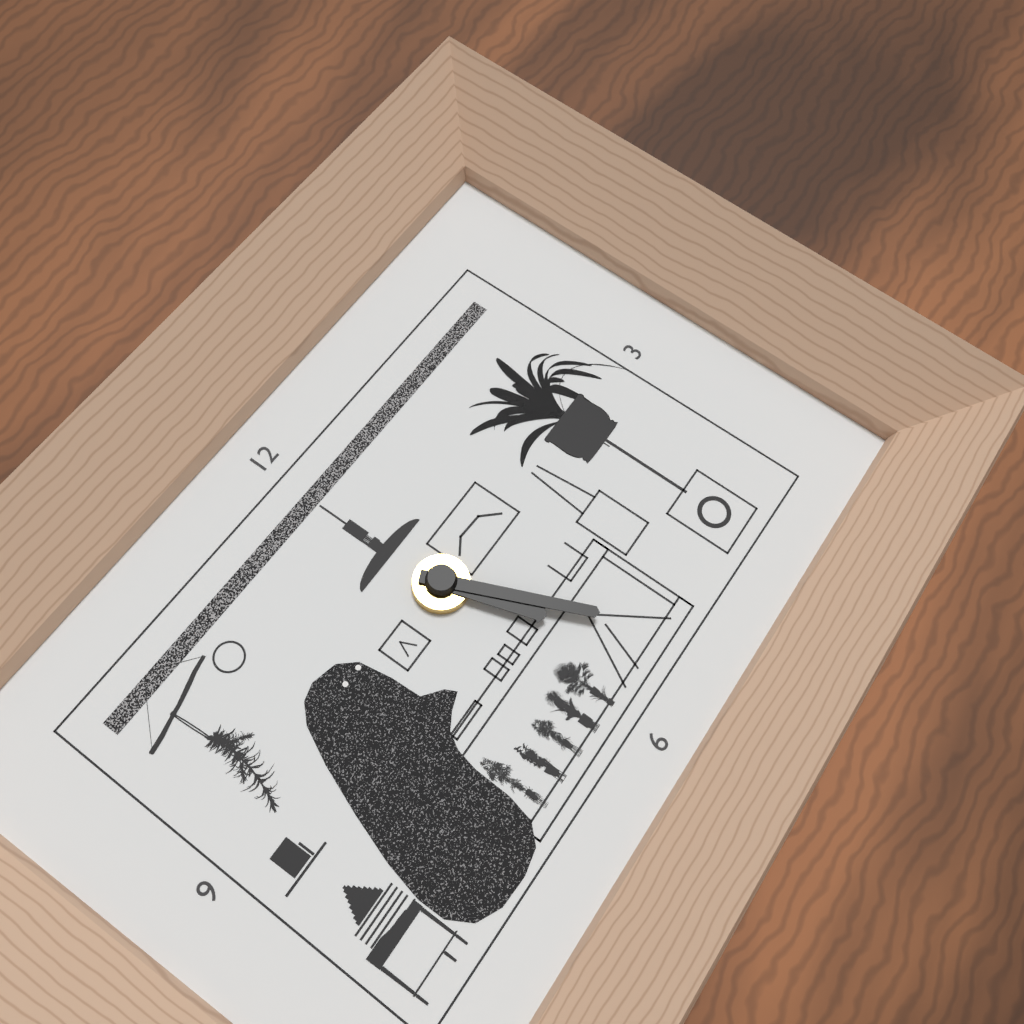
5:26
